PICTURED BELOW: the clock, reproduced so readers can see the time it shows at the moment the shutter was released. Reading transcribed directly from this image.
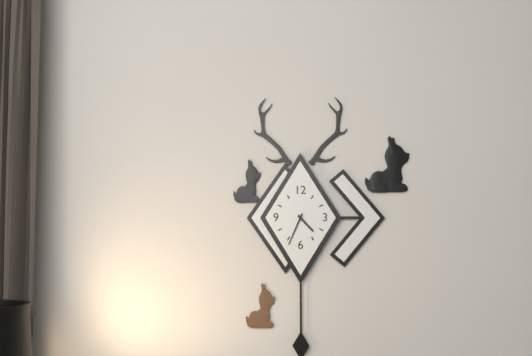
4:34
